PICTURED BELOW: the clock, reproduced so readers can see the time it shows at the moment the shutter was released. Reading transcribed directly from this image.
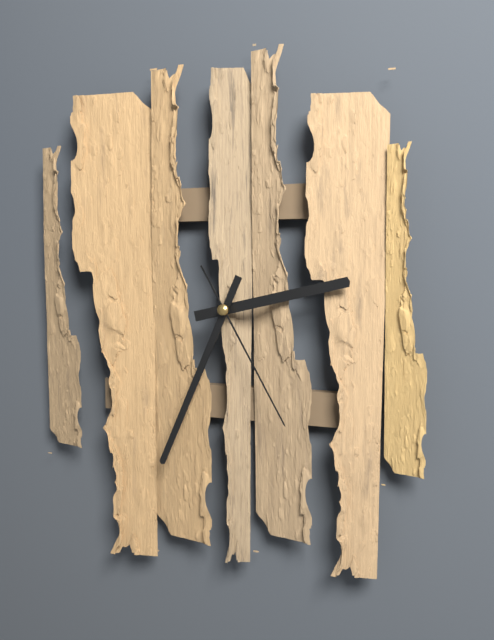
2:34:25
